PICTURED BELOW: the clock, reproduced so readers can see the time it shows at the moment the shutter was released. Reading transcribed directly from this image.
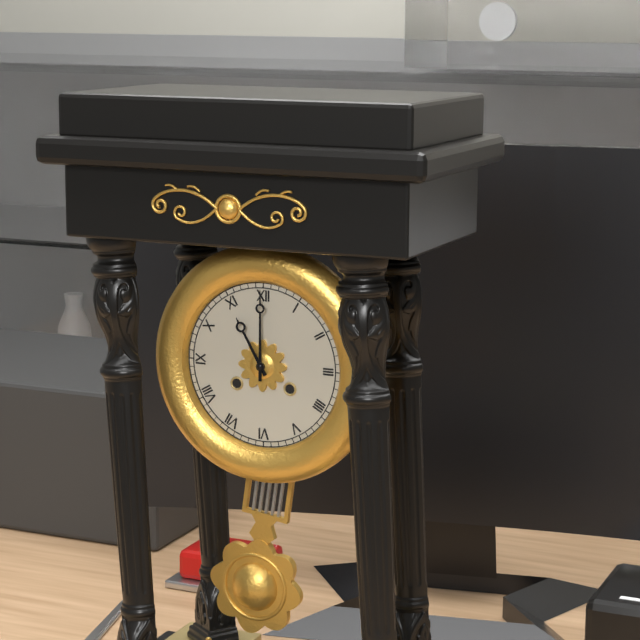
11:00
